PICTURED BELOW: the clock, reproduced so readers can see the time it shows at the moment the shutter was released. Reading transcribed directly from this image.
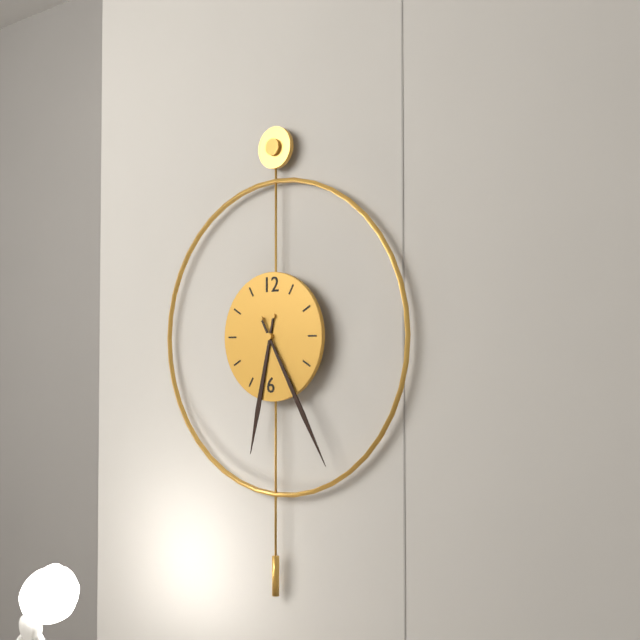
6:25
